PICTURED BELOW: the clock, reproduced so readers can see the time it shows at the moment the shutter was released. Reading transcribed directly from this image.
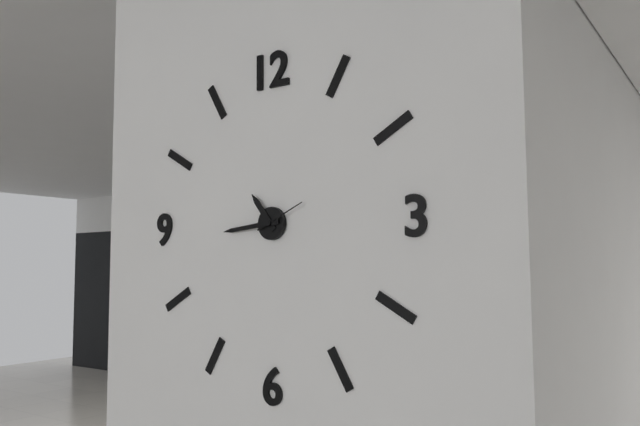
10:44
